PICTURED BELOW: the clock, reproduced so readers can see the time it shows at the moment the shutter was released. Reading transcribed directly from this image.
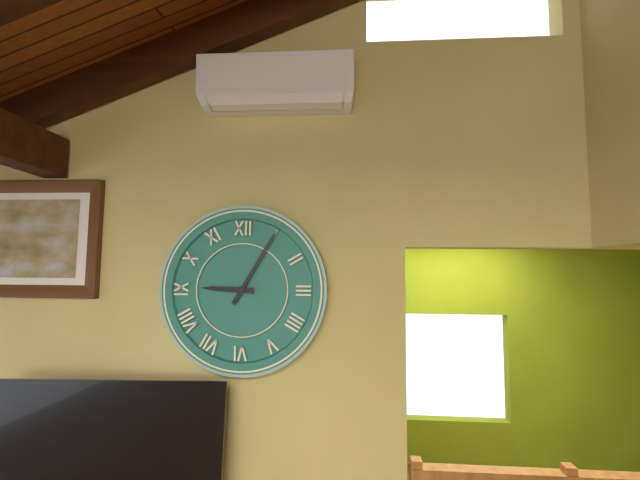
9:05
